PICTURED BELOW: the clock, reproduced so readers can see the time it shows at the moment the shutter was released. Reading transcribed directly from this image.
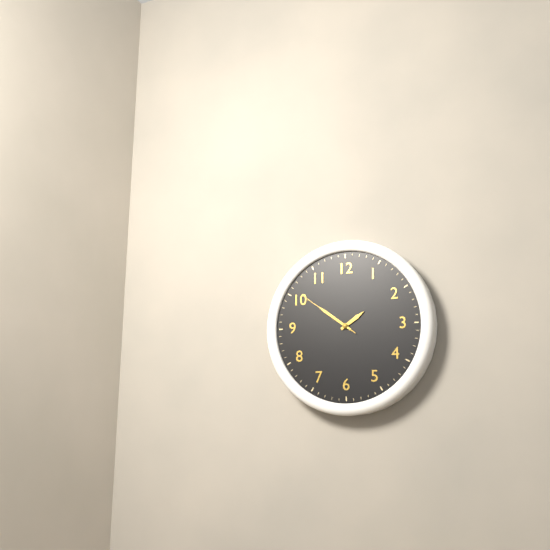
1:51:51
